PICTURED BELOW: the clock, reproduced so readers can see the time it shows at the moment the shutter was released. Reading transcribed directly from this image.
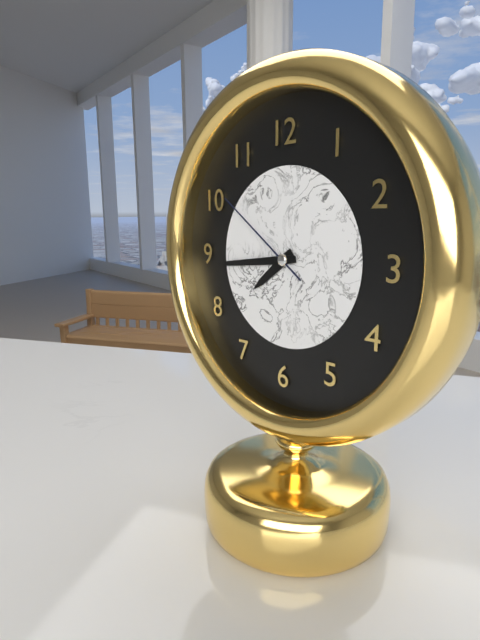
7:44:51
